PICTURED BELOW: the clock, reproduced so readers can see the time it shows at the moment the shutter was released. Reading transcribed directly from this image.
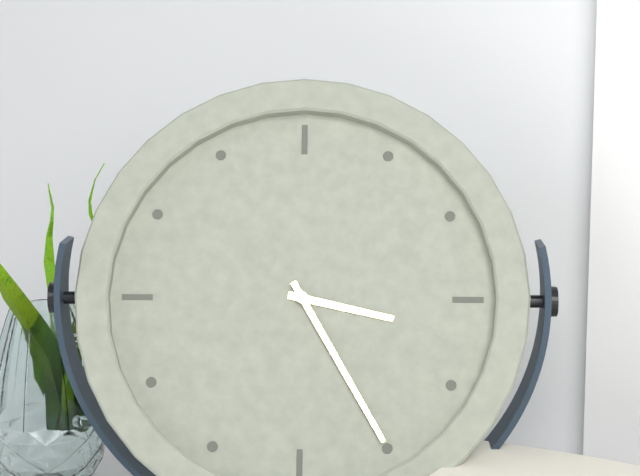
3:25
